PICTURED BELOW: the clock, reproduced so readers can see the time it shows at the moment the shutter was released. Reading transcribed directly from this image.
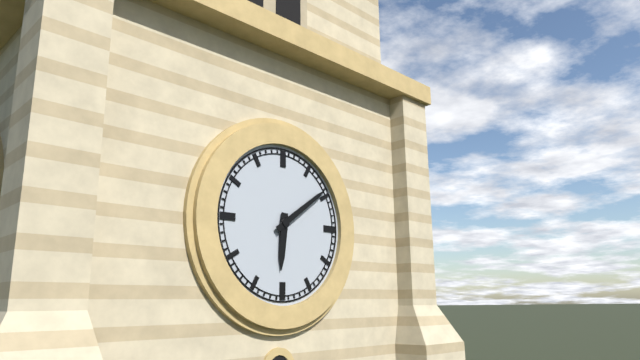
6:09
